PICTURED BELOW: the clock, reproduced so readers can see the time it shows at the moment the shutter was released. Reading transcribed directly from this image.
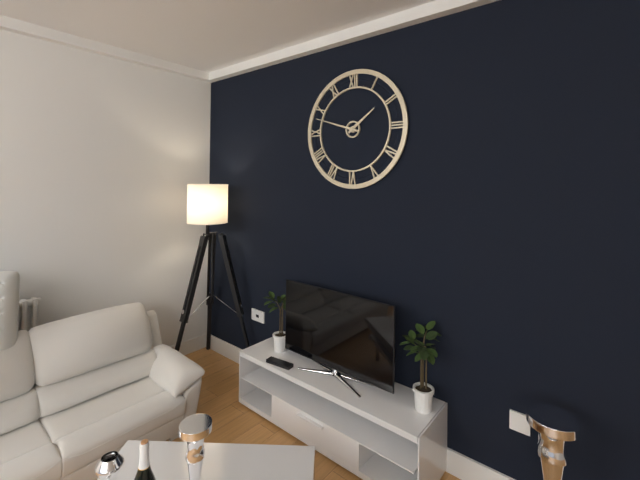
1:48
